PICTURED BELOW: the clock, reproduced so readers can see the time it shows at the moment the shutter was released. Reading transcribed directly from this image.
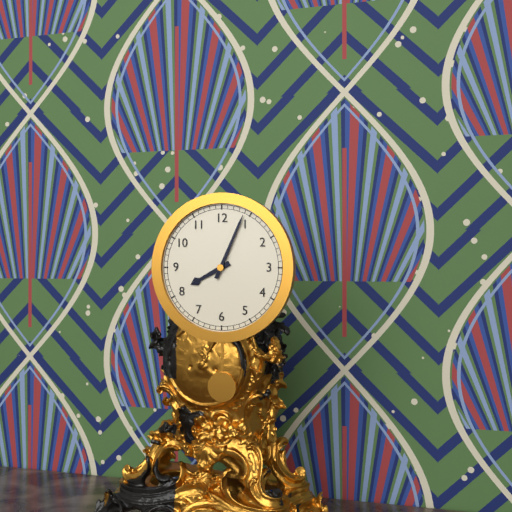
8:04
